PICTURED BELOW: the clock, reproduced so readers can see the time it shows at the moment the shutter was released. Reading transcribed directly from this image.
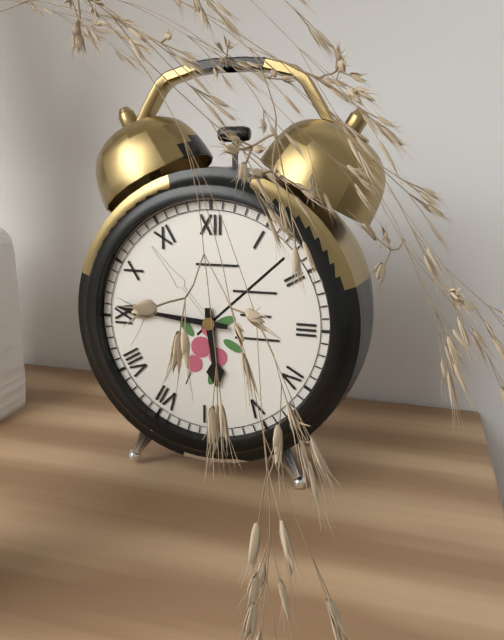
5:46
